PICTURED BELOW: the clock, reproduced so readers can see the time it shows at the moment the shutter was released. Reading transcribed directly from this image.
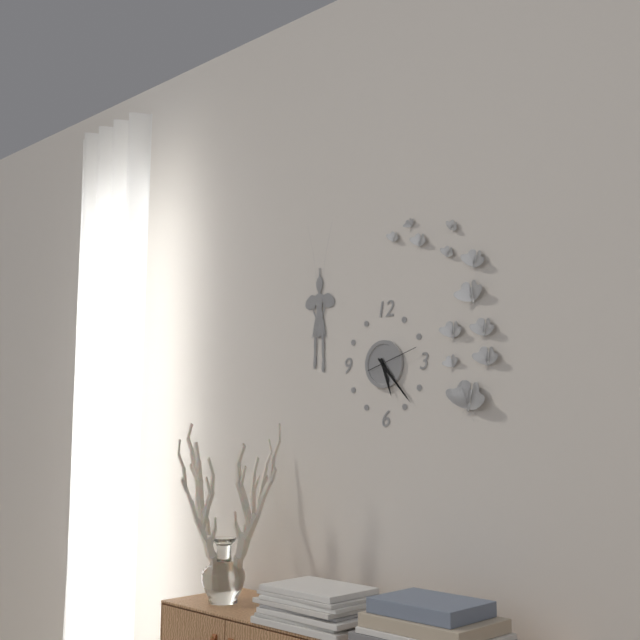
5:23
